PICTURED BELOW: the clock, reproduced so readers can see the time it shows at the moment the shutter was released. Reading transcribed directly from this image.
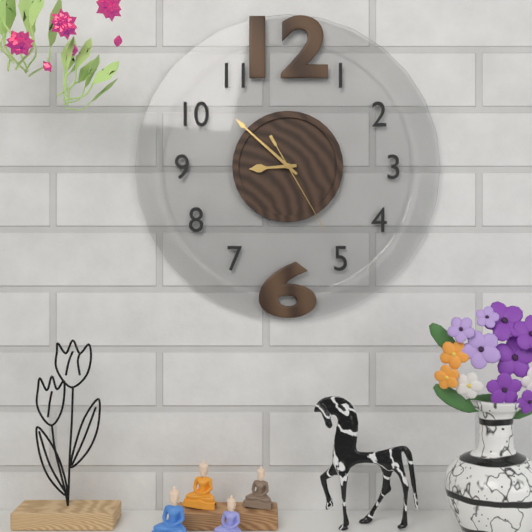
8:52:25
